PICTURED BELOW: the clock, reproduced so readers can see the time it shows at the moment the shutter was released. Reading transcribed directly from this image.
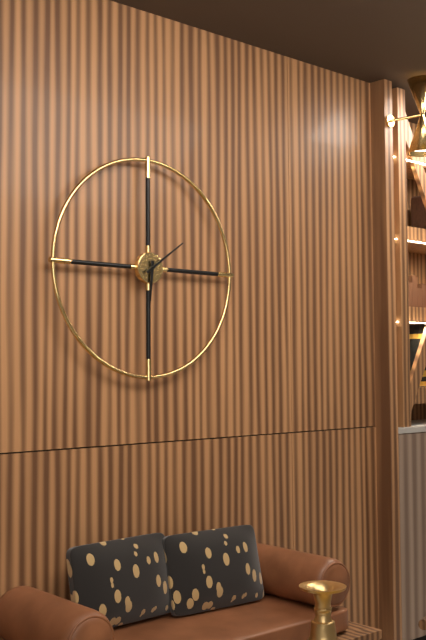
6:09
